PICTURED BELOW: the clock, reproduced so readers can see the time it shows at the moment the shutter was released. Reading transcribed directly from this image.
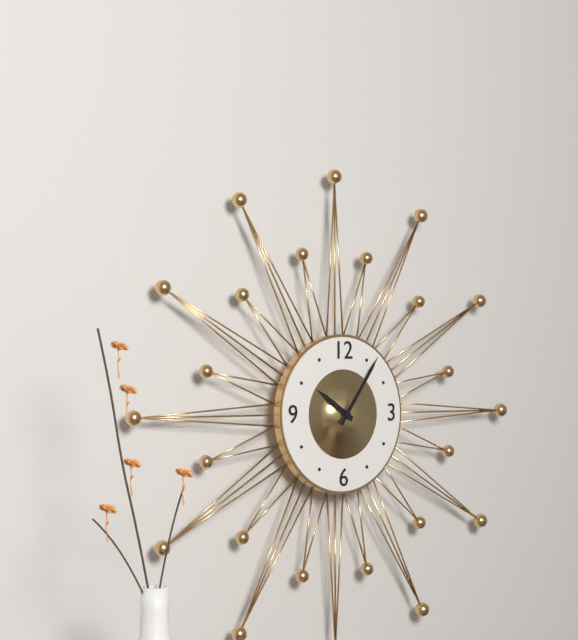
10:06
